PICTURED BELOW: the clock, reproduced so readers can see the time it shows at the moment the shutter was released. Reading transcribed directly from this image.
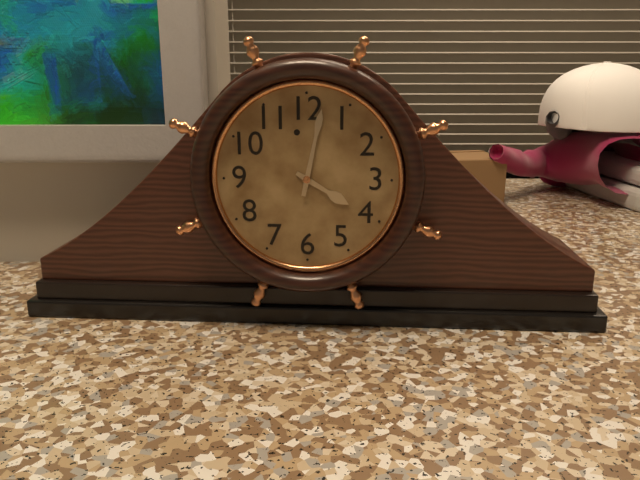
4:02
